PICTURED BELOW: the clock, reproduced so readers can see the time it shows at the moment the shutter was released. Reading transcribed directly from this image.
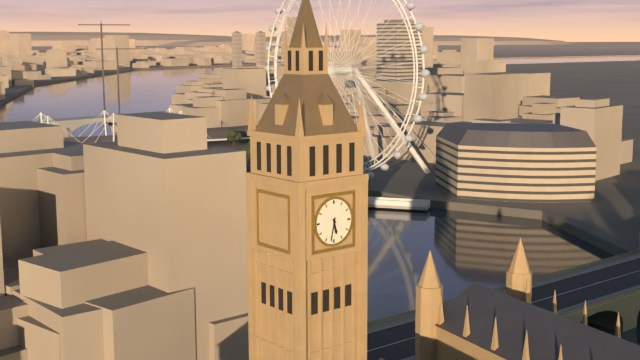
5:32
